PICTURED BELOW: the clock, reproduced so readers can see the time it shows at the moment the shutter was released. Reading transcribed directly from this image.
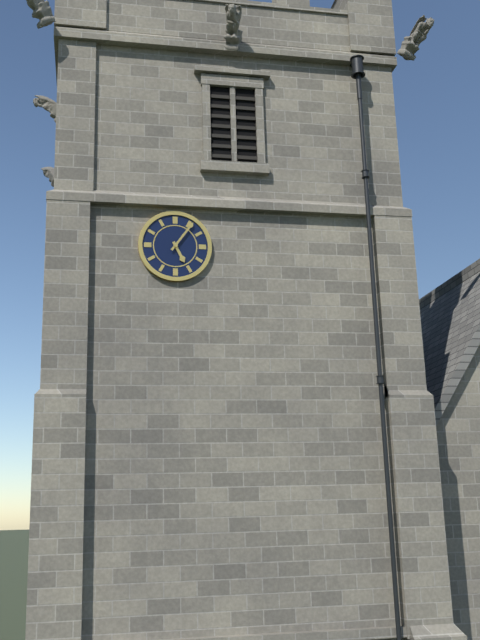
5:06
